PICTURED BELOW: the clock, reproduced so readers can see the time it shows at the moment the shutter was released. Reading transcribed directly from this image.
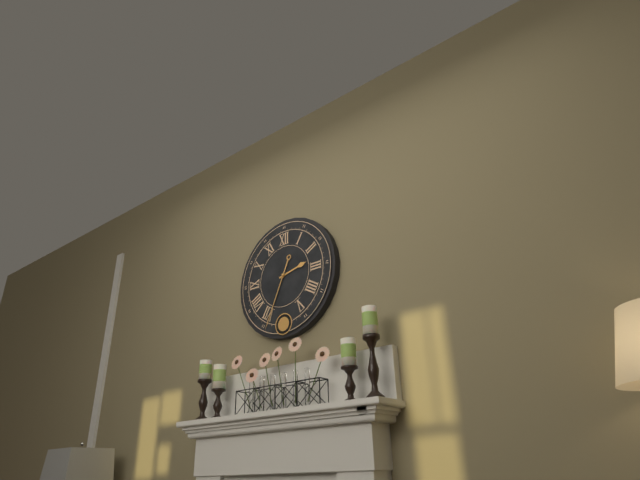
2:34
